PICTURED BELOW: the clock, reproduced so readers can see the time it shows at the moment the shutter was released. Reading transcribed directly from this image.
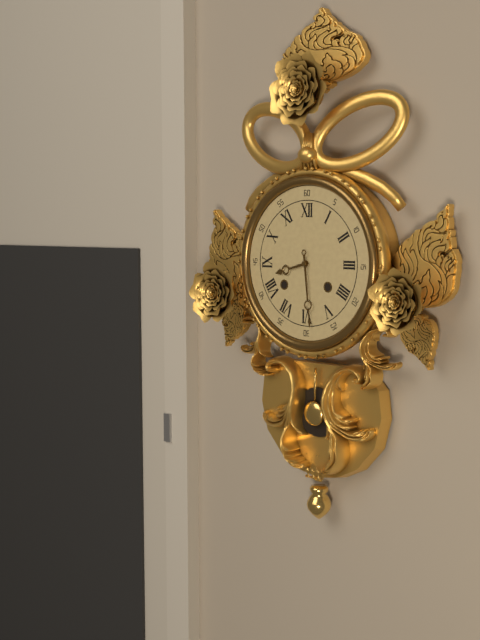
8:29
